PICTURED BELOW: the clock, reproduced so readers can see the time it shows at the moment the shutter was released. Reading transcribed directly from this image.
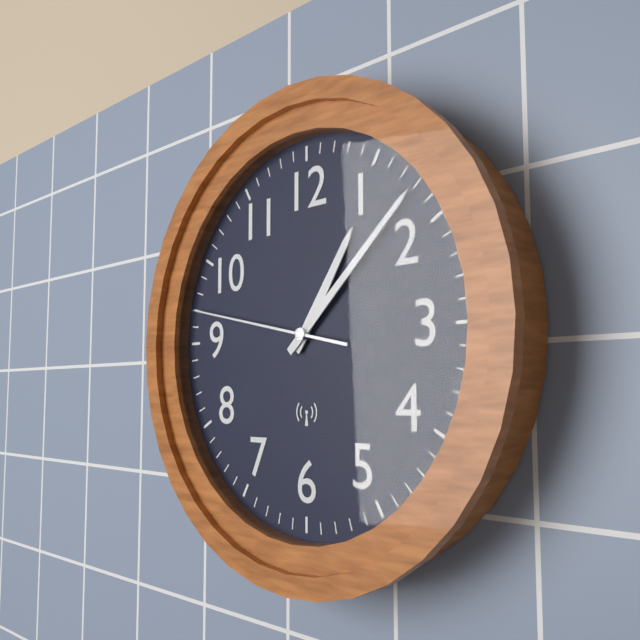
1:08:47
